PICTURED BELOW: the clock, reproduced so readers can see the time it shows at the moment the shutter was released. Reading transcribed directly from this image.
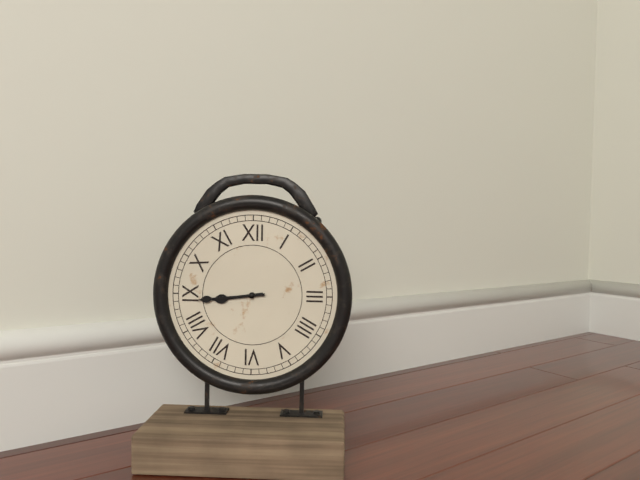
8:44
